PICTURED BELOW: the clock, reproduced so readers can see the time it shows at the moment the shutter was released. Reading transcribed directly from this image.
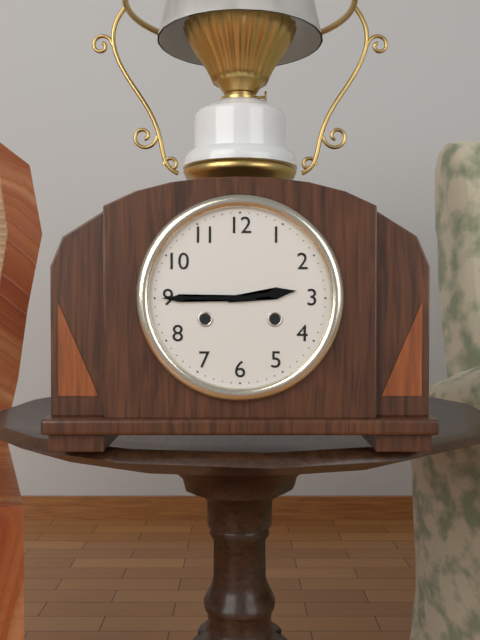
2:45
